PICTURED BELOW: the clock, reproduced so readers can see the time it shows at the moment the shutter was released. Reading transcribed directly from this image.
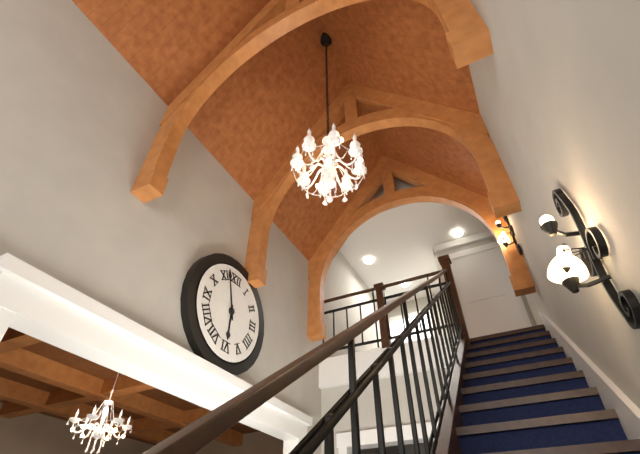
5:57
